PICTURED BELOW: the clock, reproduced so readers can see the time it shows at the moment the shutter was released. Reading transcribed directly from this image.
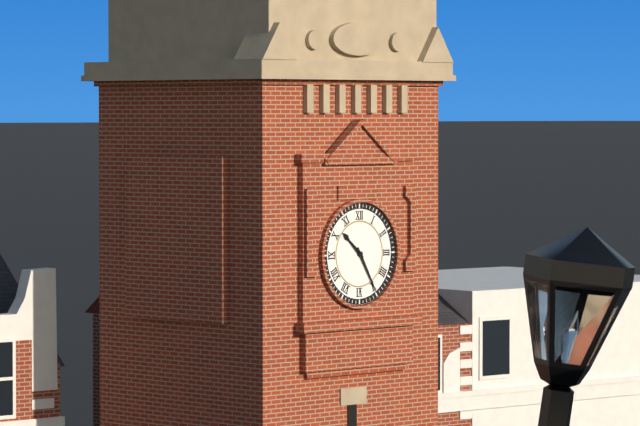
10:25
